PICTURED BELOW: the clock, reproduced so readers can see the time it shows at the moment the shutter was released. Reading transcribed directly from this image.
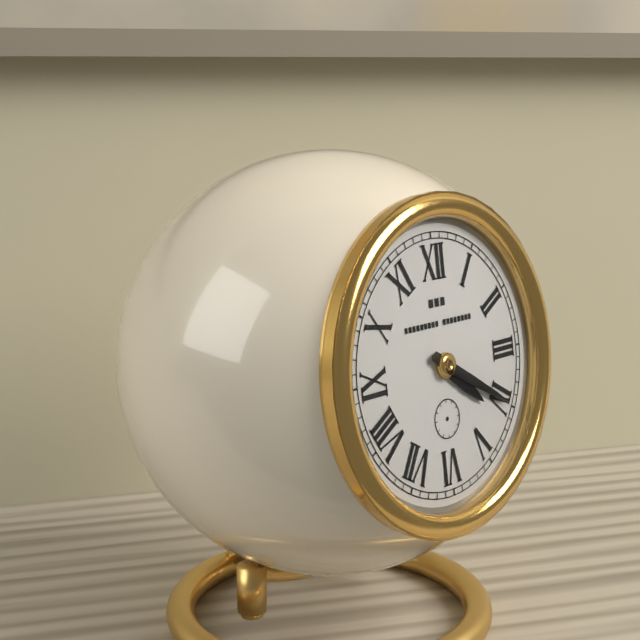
4:20
